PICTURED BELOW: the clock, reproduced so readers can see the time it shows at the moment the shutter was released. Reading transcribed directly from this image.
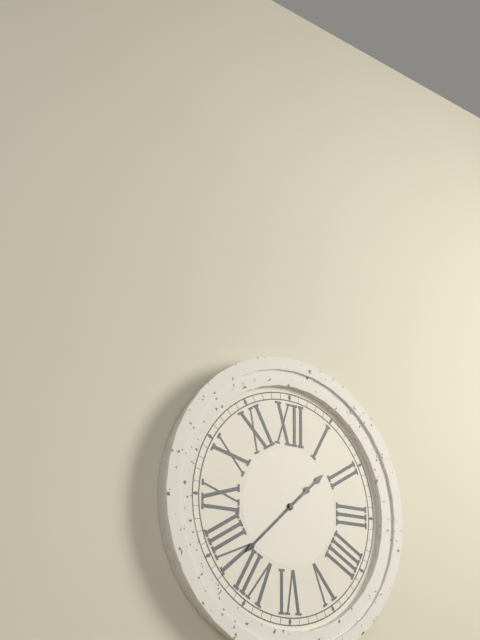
1:38
